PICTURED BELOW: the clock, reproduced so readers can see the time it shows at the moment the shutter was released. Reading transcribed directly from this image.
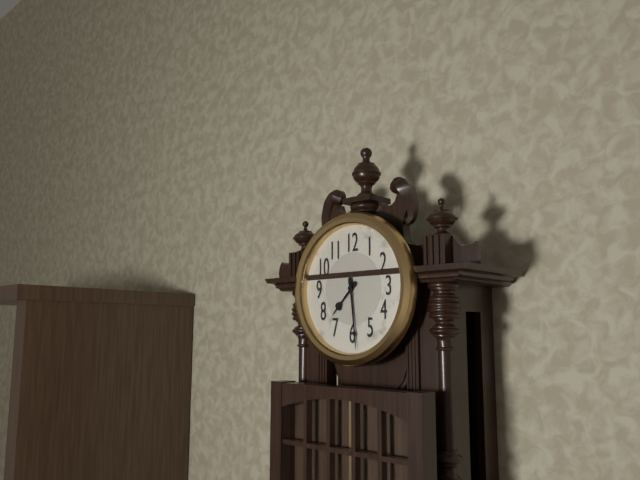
7:29
